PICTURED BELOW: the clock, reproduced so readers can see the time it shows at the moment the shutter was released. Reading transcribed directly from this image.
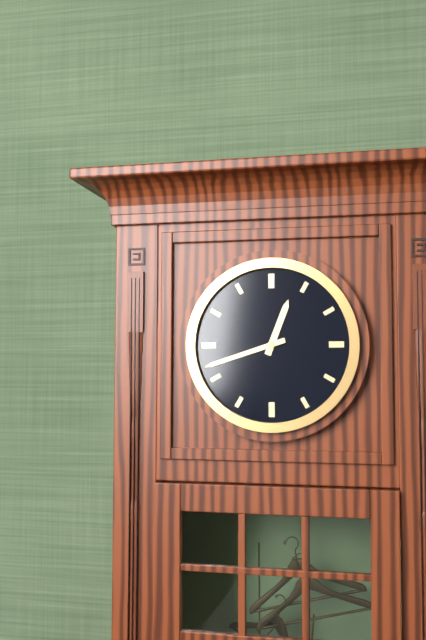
12:42
